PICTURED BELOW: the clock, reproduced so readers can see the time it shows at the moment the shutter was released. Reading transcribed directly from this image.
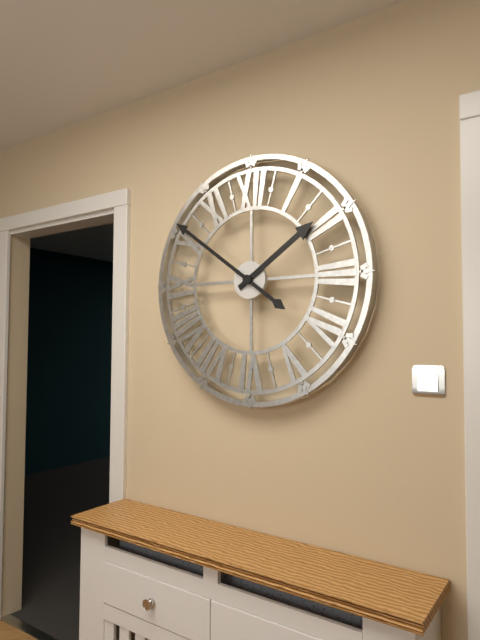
1:51
